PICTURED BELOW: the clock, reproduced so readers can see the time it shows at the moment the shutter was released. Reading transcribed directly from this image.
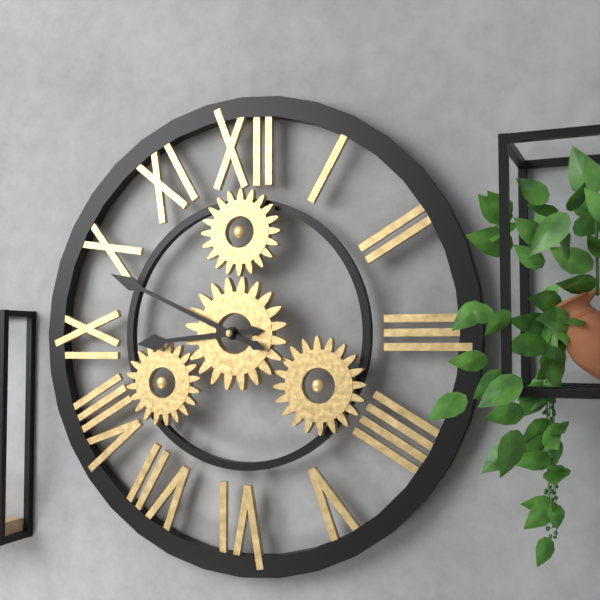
8:49
